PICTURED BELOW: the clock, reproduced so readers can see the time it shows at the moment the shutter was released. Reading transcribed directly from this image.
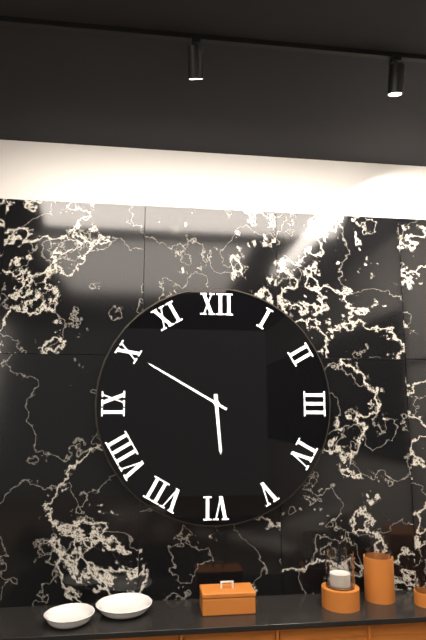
5:50
